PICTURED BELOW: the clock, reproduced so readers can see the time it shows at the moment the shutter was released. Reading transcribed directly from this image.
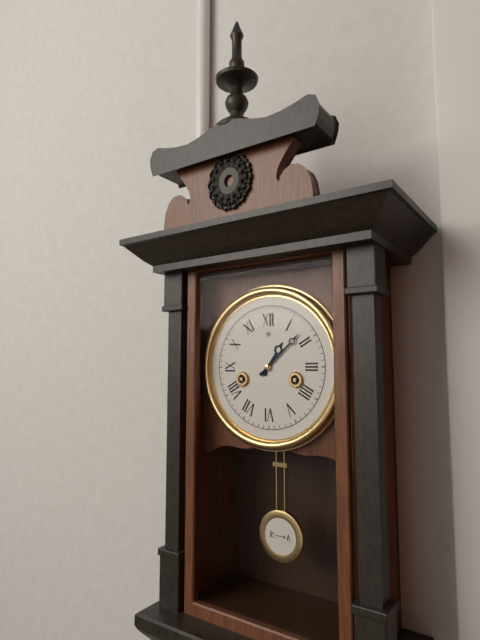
1:08
